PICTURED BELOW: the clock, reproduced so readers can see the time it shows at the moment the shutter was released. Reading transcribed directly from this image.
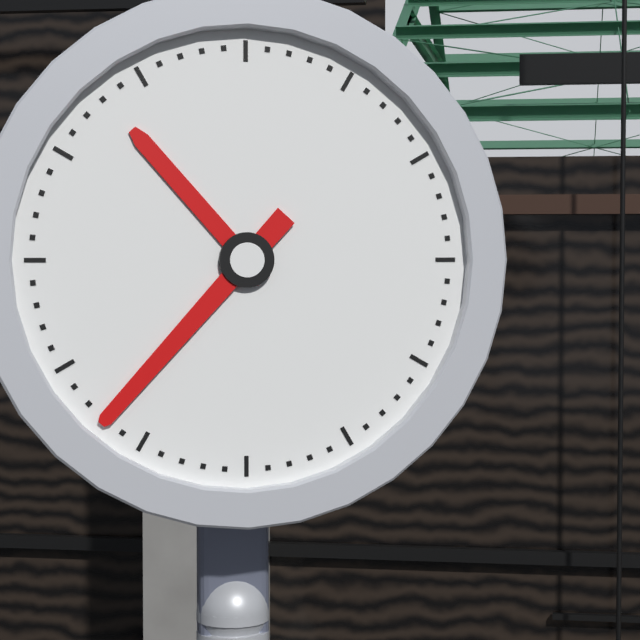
10:37
